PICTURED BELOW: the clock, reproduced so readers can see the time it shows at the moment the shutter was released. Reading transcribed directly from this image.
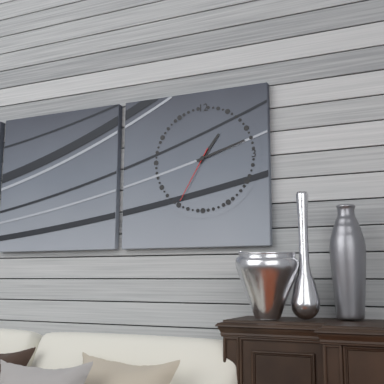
1:12:35
